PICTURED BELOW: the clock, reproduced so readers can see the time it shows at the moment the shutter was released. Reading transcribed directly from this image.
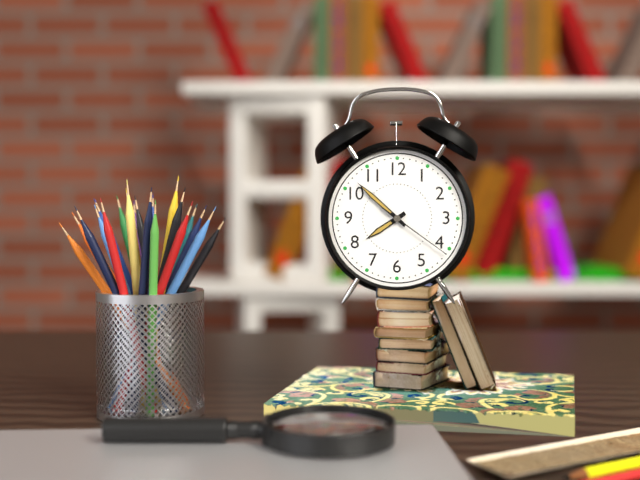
7:52:21
